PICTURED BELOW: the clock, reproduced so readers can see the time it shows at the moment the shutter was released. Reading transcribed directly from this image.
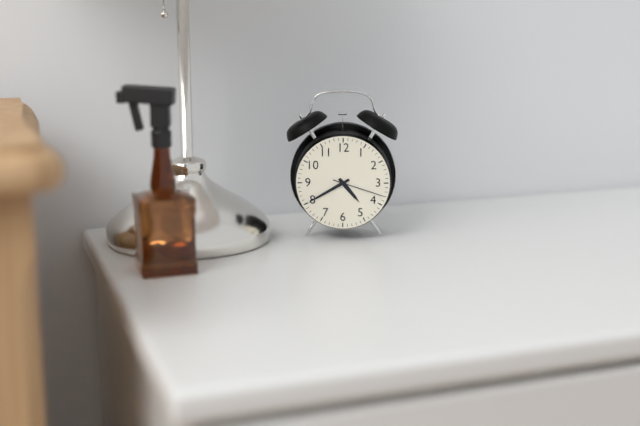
4:40:18
